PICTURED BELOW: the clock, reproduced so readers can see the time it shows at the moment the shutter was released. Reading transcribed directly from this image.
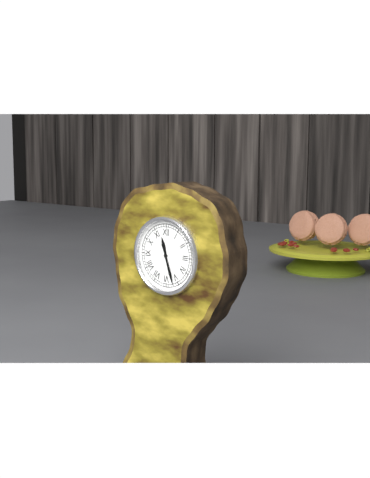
11:27
